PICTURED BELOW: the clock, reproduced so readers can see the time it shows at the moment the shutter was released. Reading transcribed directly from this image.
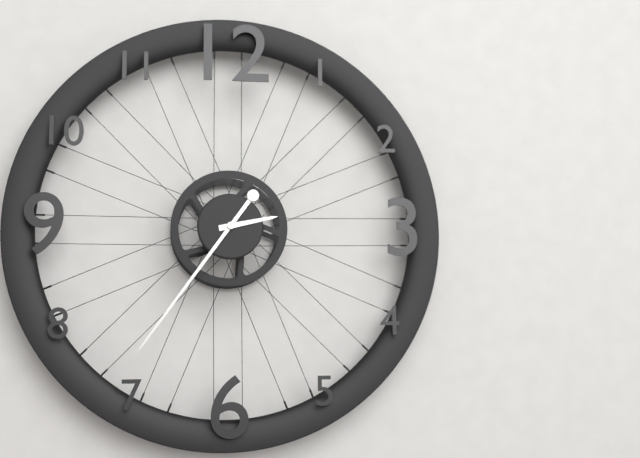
2:36
